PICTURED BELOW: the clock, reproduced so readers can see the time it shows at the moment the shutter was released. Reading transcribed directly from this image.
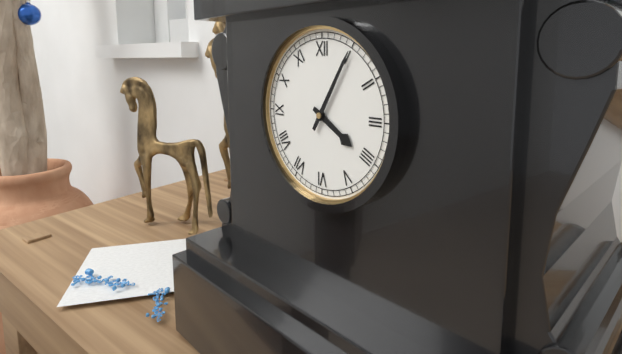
4:05
